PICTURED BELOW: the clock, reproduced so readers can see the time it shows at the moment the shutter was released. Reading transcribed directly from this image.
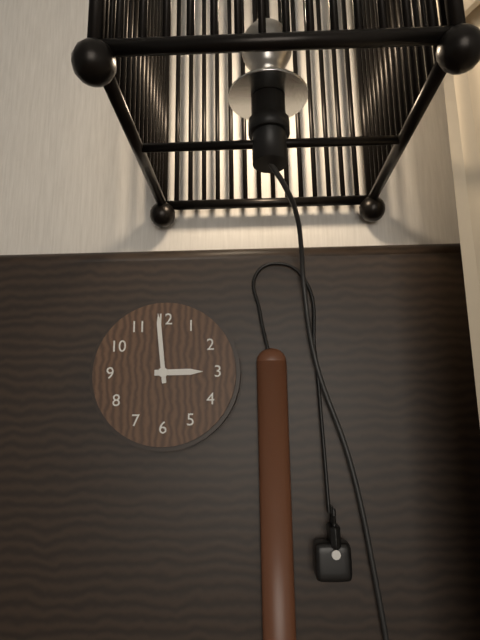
2:59
